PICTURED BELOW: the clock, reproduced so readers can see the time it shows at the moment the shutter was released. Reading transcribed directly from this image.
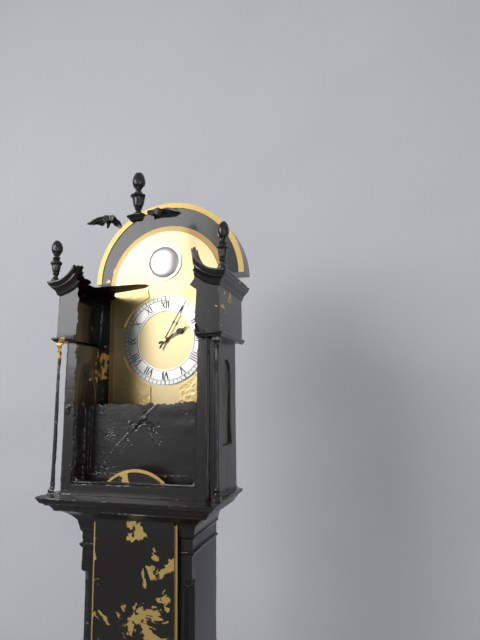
2:05
